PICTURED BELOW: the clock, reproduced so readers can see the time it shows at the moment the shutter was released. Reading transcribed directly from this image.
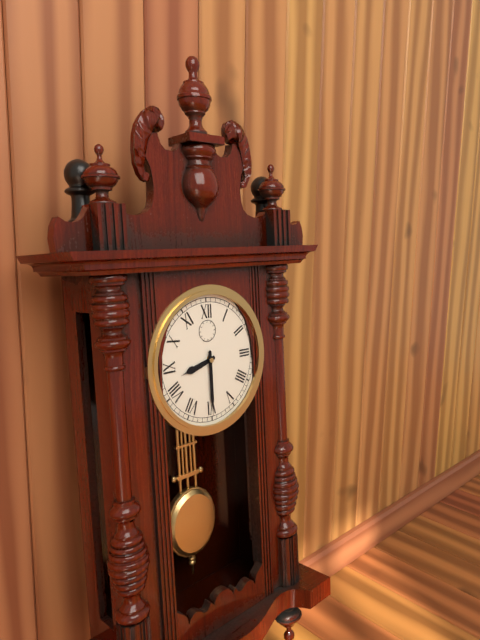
8:30
